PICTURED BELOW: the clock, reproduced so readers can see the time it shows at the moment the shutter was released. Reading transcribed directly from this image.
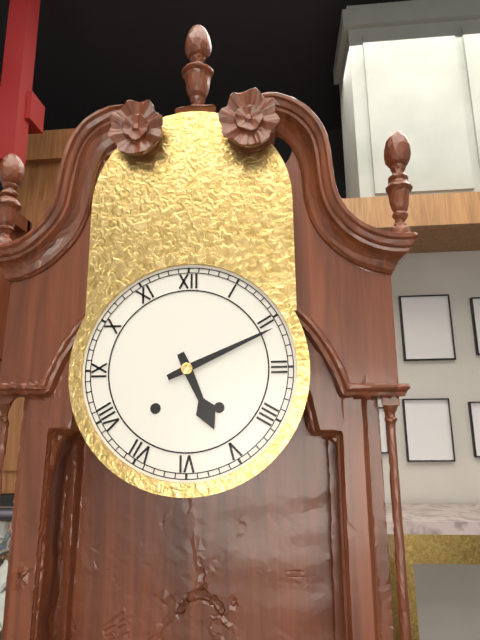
5:11
